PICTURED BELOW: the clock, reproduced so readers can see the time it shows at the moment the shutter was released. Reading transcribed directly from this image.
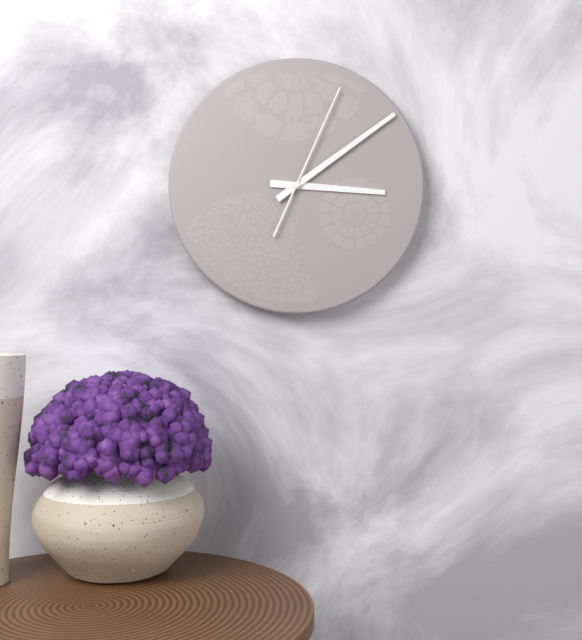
3:09:04
